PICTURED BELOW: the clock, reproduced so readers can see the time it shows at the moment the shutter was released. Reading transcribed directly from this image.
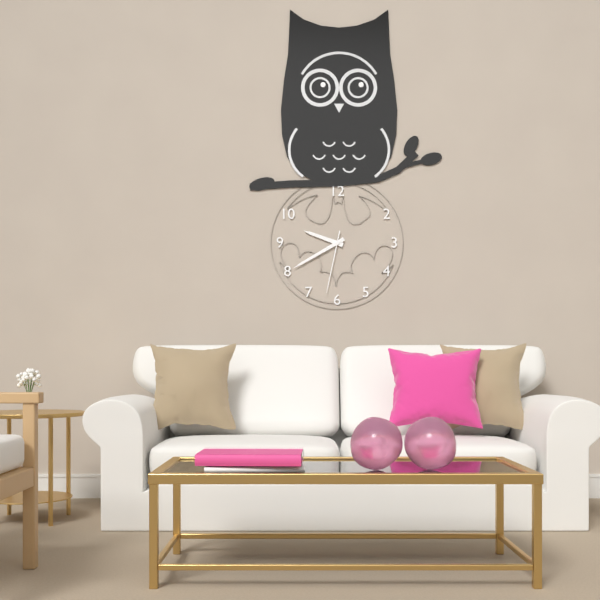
9:40:32
